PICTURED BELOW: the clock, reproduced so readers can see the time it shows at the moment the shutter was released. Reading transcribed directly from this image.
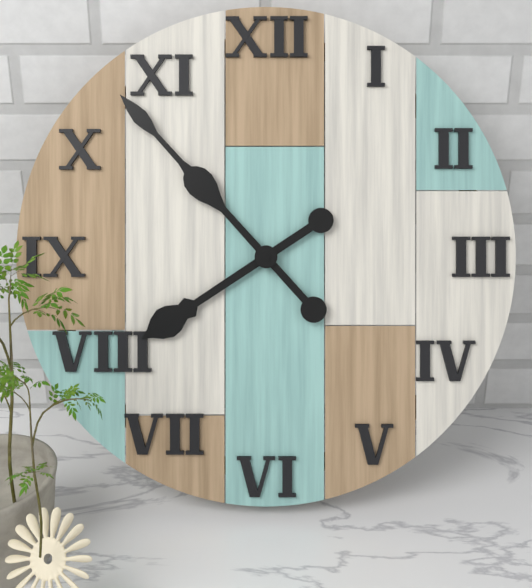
7:53
